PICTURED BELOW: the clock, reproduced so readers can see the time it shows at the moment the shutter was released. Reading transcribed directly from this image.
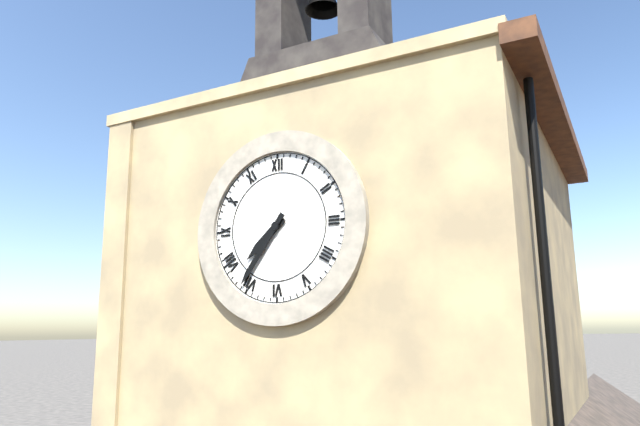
7:36
